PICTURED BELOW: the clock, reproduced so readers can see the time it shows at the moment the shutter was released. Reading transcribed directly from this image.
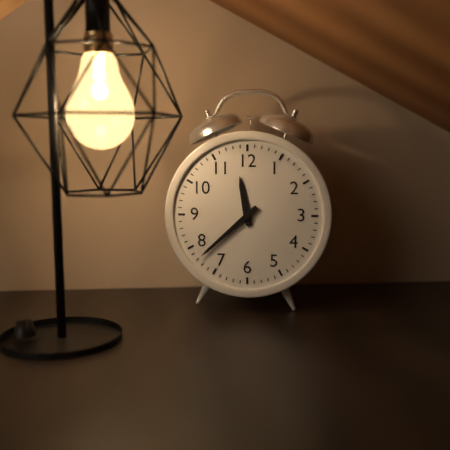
11:38
